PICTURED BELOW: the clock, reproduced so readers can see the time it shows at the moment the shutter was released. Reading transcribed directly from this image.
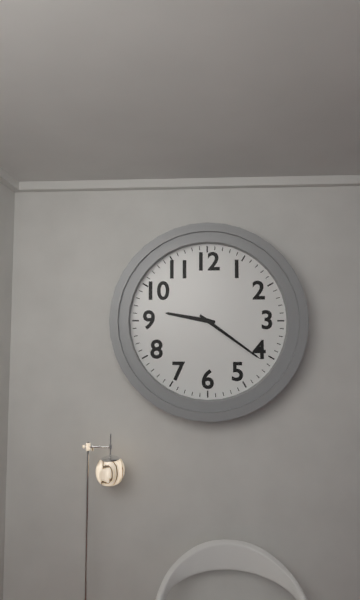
9:21
